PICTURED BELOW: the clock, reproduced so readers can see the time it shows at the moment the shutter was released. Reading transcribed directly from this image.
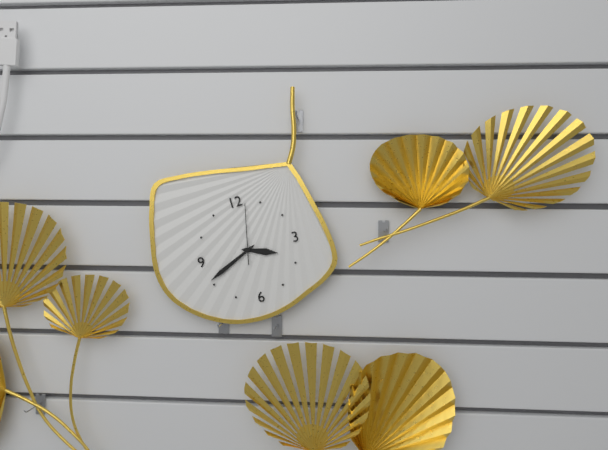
3:41:02
